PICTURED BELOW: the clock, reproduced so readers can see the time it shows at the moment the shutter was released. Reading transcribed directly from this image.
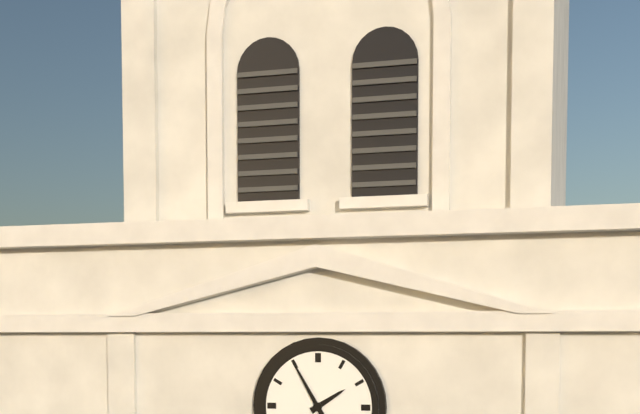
1:55
